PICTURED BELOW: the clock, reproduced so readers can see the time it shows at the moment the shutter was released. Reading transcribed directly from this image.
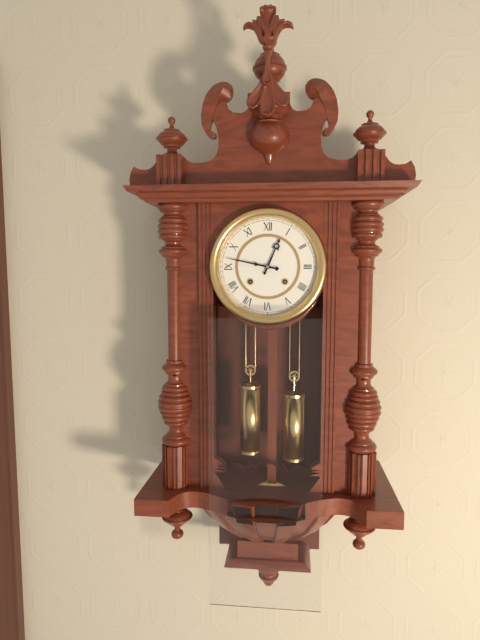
12:47
